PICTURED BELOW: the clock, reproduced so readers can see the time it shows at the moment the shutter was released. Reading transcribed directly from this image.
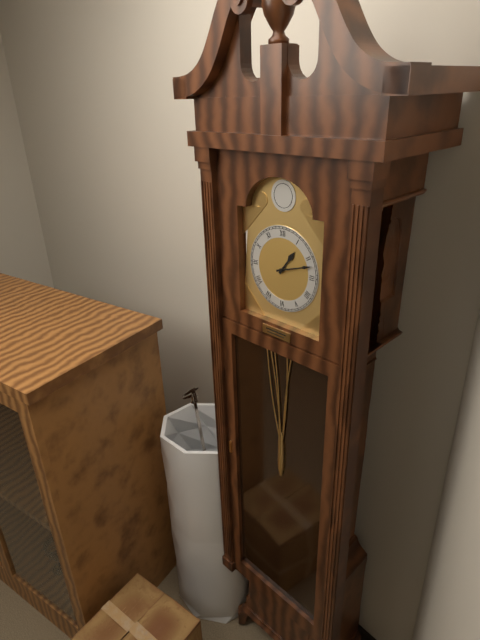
1:12
